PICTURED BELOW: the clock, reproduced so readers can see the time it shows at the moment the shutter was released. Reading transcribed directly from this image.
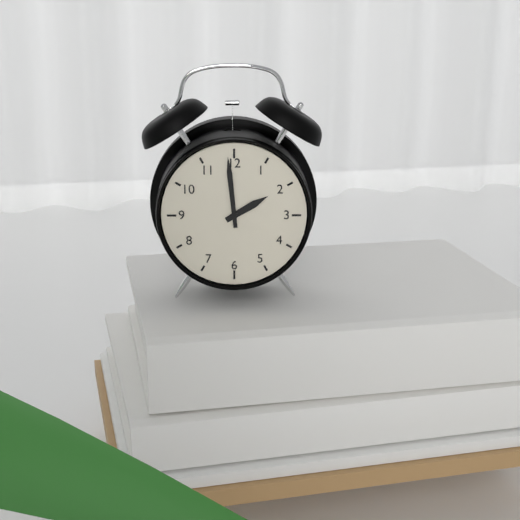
1:59
